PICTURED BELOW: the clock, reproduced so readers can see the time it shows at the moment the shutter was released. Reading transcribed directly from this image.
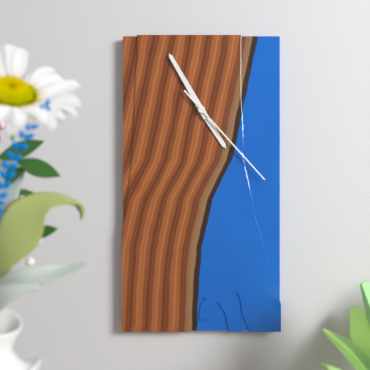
4:55:23
